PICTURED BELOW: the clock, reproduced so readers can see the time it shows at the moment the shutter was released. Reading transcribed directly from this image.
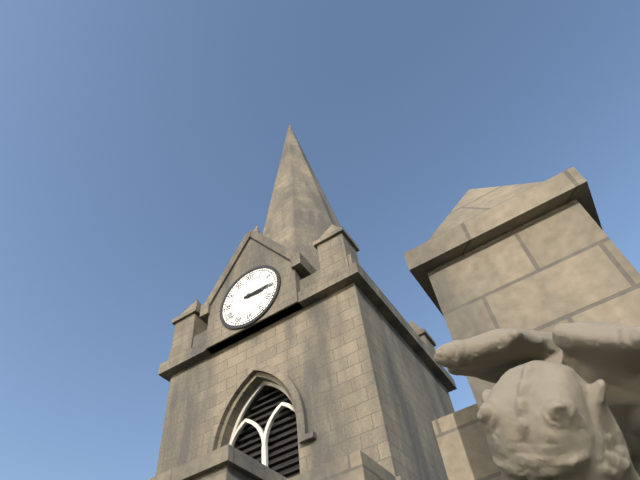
3:15
